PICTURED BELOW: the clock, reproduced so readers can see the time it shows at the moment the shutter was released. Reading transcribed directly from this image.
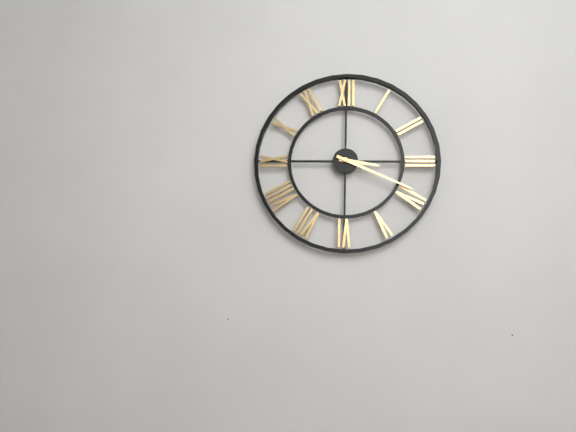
3:19
